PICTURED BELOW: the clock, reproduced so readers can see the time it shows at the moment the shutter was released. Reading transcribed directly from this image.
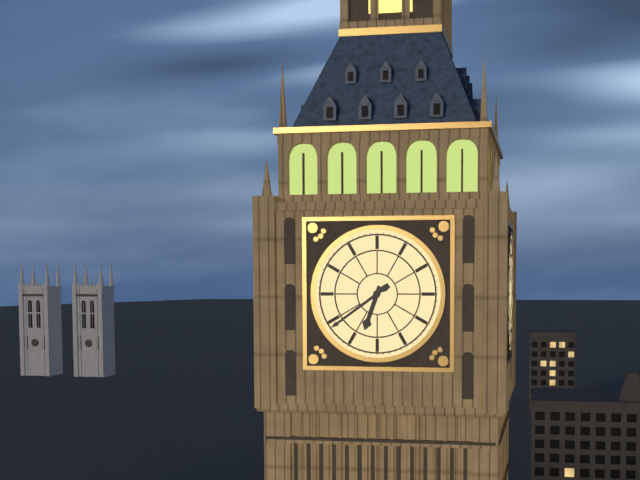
6:39
